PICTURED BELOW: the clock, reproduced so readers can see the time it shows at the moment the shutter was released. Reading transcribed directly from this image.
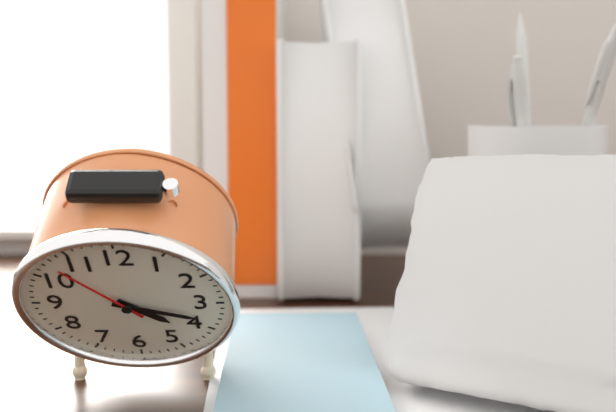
4:18:53
